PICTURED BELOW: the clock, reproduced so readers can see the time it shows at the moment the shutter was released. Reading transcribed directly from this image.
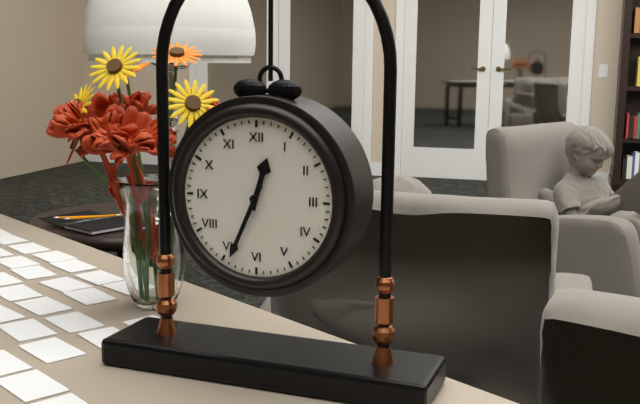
12:34
